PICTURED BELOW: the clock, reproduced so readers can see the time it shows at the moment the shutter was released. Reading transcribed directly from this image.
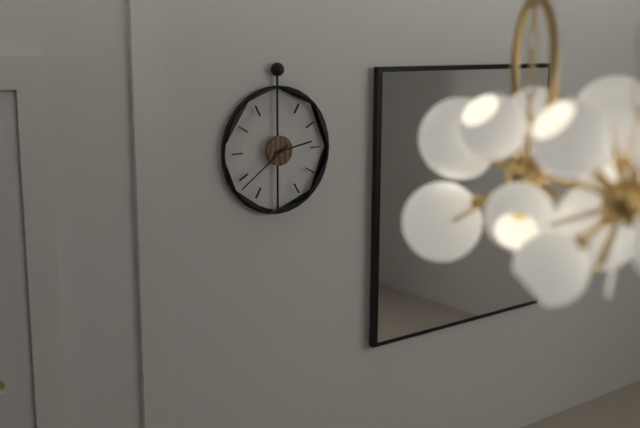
2:39
